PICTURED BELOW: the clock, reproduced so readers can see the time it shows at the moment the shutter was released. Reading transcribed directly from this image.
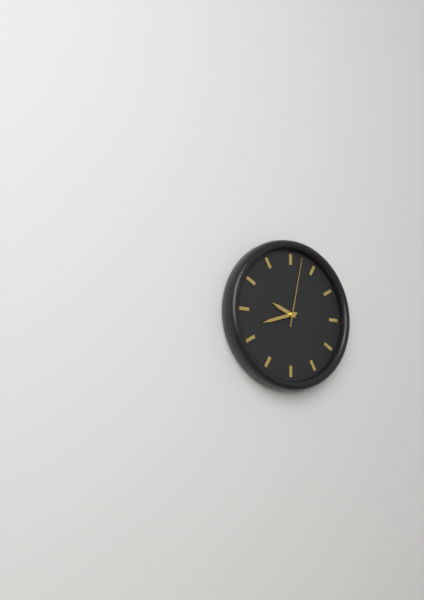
9:42:02
